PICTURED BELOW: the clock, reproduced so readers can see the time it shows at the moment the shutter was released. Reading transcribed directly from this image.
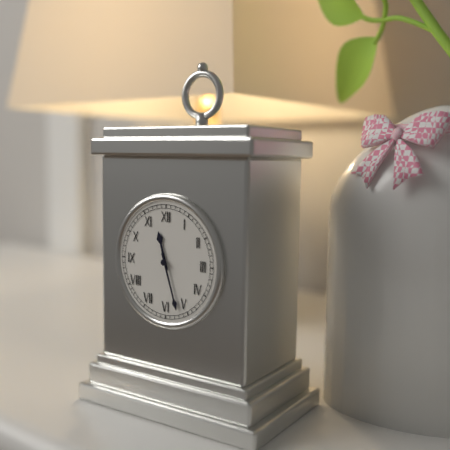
11:27
